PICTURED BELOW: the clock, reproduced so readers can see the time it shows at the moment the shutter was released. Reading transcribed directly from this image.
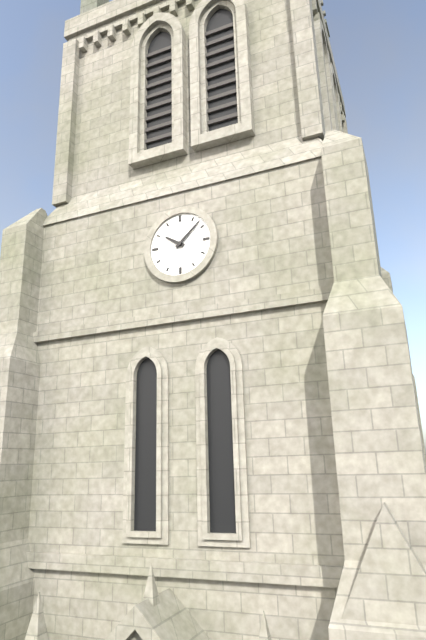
10:08
